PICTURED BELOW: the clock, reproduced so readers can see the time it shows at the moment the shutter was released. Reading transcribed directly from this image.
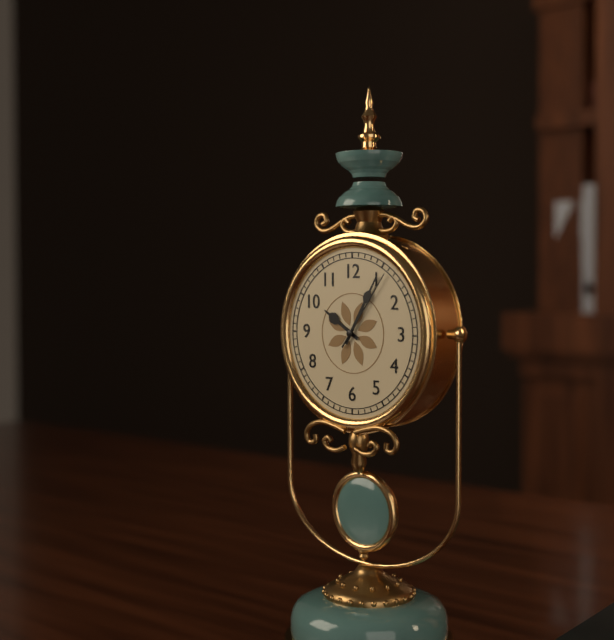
10:05:06
